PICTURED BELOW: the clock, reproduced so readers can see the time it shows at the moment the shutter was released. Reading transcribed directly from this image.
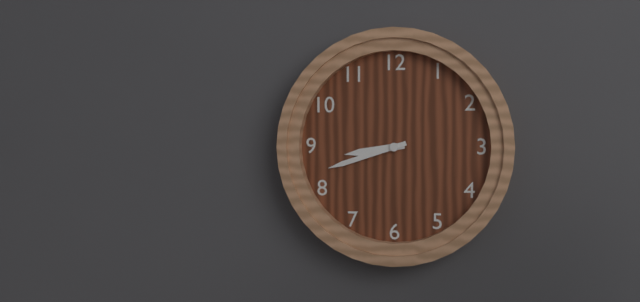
8:42
